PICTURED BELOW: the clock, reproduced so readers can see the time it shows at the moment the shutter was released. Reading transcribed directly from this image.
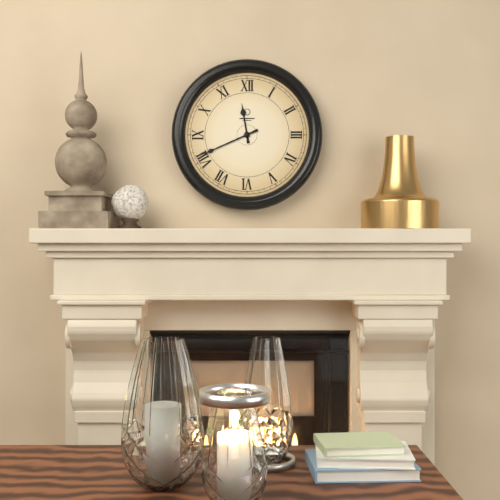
11:41
